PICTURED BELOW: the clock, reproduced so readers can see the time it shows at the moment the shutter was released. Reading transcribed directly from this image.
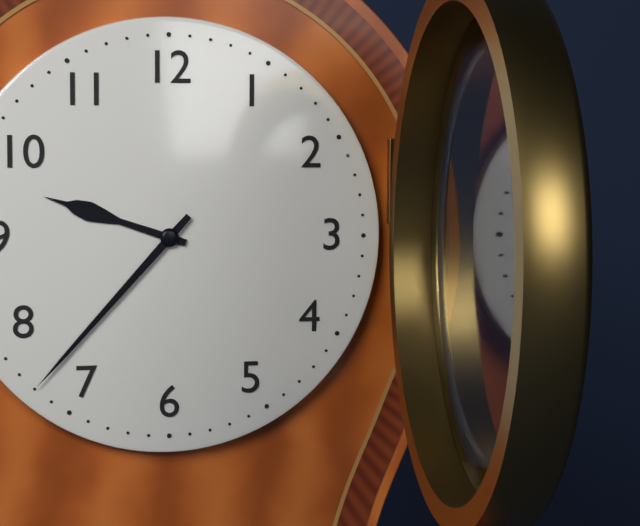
9:37
